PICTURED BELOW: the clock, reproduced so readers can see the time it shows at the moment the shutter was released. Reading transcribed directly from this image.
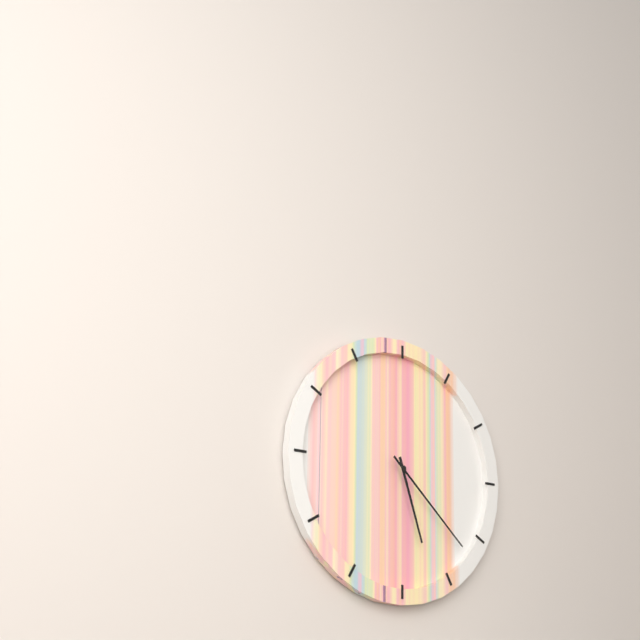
5:22
